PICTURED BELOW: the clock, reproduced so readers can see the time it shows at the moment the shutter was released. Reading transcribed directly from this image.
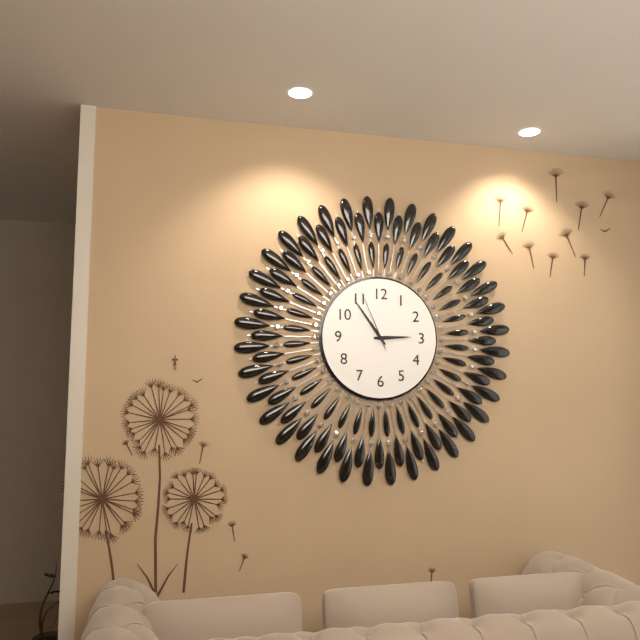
2:54:56
